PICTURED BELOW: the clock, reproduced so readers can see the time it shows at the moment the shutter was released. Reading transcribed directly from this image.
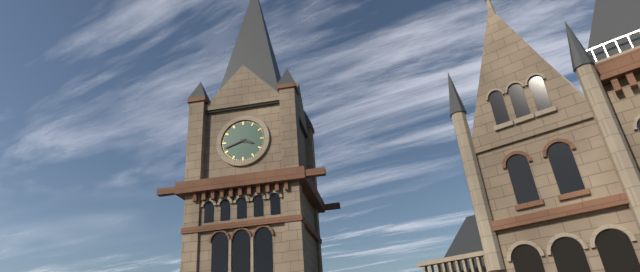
3:42
